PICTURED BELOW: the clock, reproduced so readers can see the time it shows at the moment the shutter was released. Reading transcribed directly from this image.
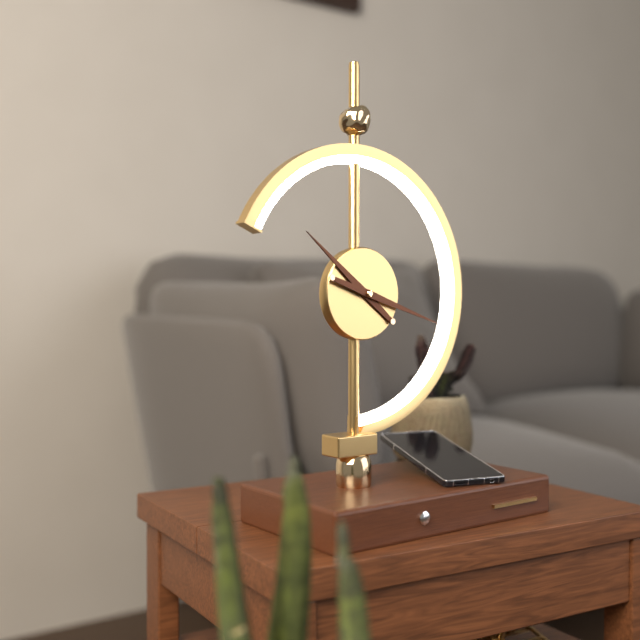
10:18
